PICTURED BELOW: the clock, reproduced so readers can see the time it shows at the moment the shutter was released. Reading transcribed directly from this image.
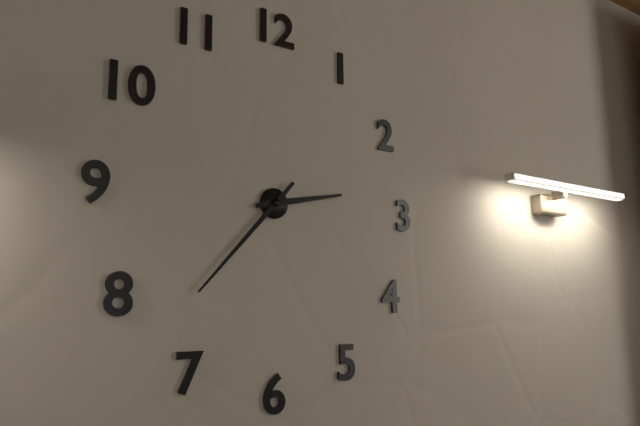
2:37
